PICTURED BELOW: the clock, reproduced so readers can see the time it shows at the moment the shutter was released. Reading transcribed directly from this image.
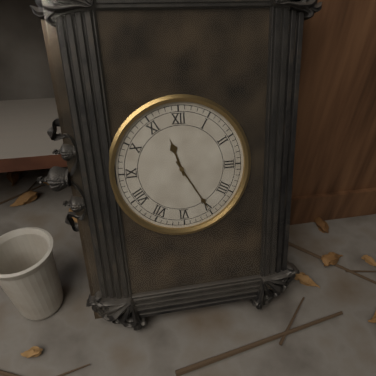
11:25
